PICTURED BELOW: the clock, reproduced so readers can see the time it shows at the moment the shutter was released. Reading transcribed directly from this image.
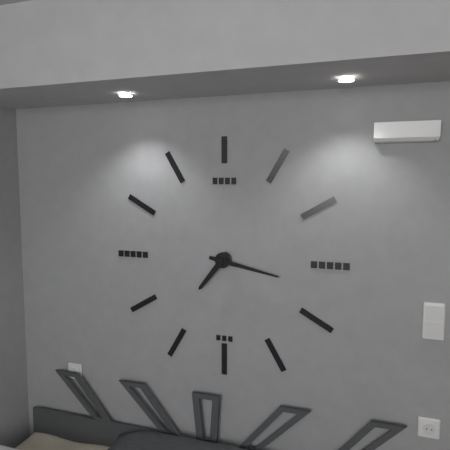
7:17
